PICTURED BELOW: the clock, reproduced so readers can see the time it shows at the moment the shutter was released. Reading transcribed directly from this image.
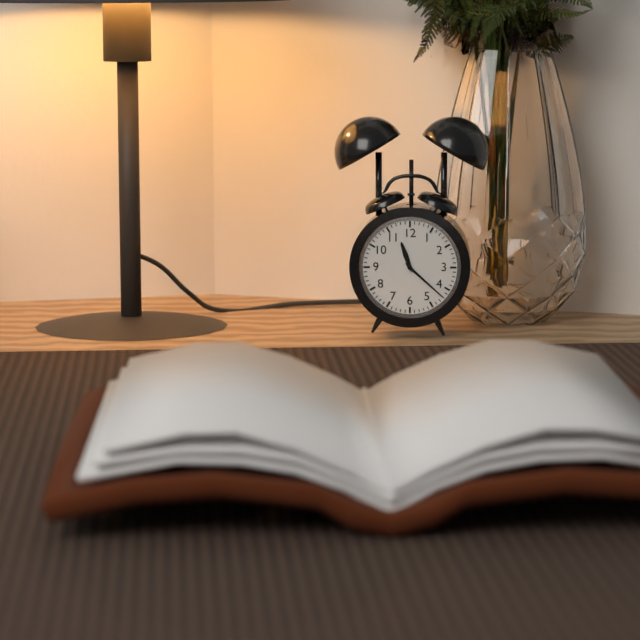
11:22
